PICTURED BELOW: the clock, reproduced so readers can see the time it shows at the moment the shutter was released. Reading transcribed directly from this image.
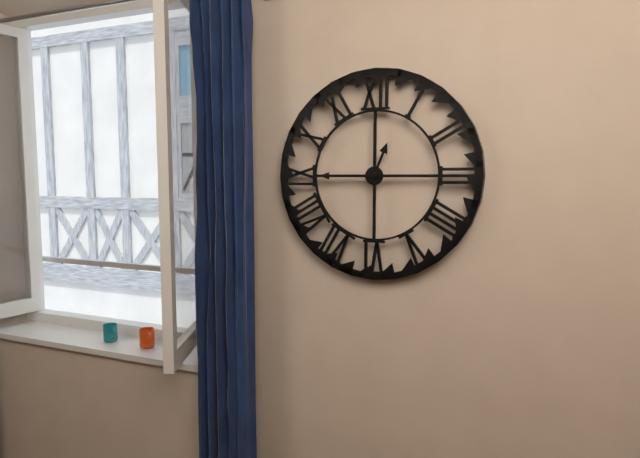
12:45
